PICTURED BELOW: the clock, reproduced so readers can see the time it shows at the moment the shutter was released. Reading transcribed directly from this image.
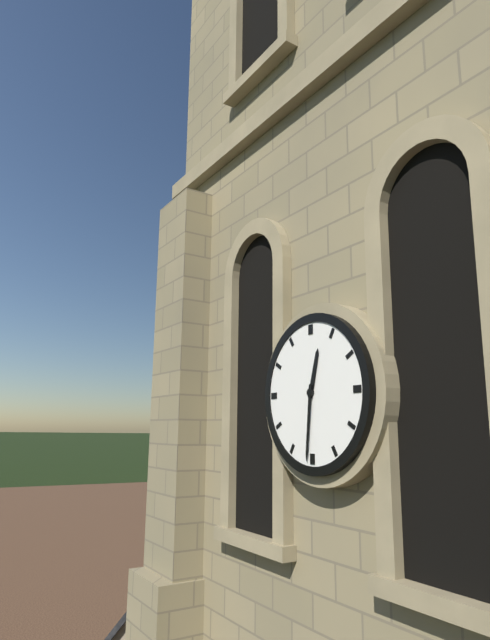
12:31
